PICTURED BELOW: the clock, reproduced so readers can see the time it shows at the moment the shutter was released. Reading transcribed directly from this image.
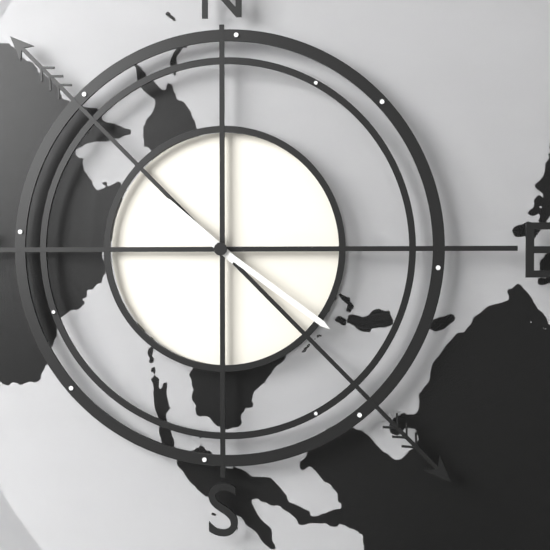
10:21
